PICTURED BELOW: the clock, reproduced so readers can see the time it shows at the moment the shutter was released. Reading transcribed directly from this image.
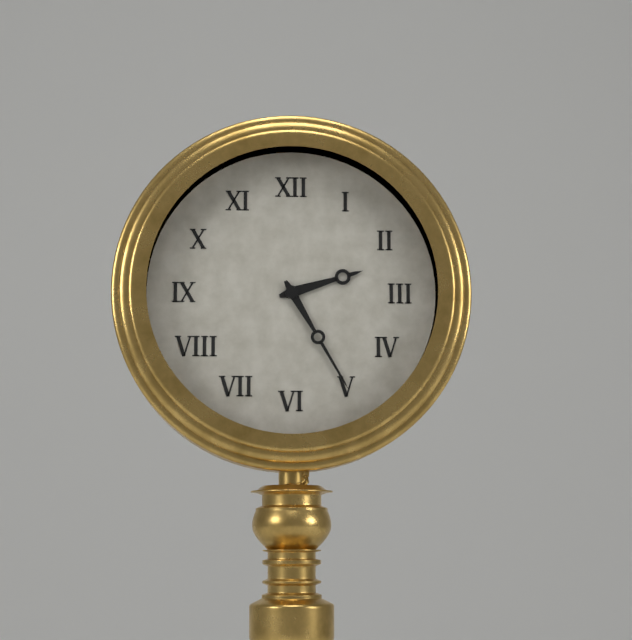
2:25
